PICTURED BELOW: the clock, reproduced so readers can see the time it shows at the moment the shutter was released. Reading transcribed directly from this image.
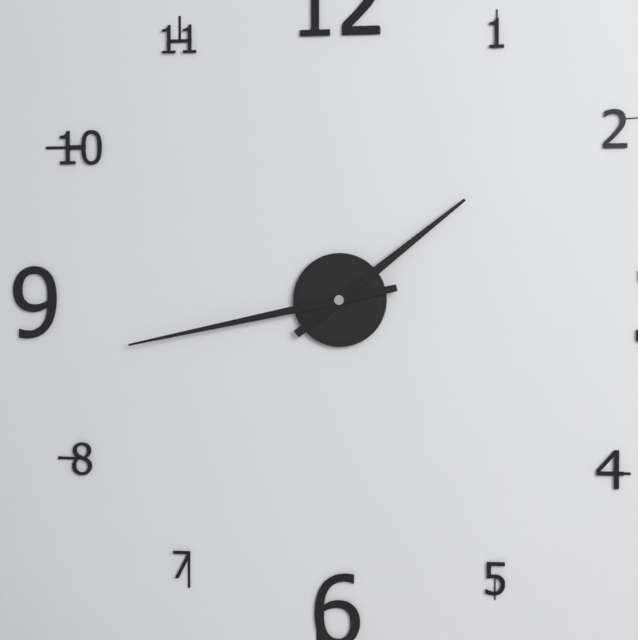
1:43
